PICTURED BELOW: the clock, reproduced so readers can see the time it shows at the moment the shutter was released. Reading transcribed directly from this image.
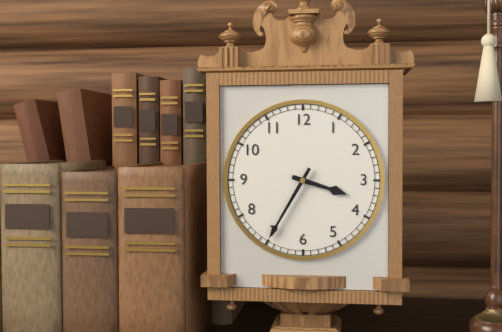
3:35
